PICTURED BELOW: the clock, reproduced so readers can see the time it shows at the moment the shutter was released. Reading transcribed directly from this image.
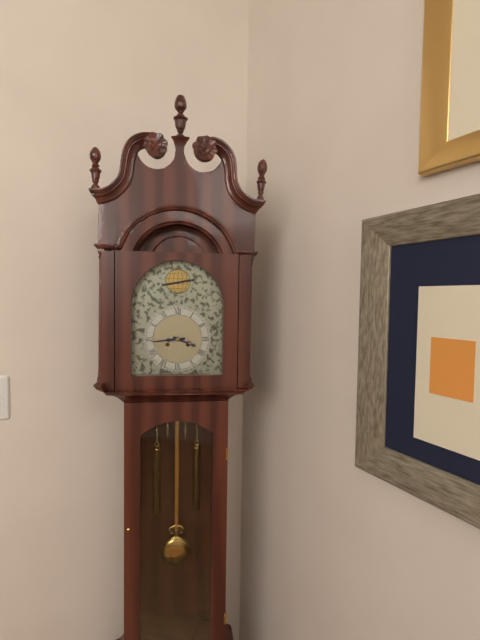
3:44
